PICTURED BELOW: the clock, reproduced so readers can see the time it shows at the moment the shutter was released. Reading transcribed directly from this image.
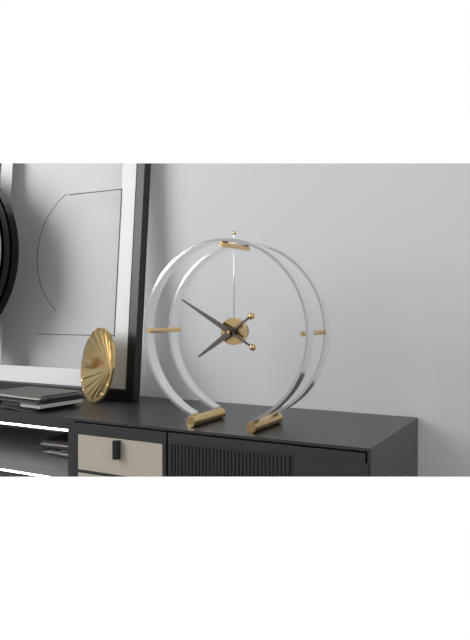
7:50
